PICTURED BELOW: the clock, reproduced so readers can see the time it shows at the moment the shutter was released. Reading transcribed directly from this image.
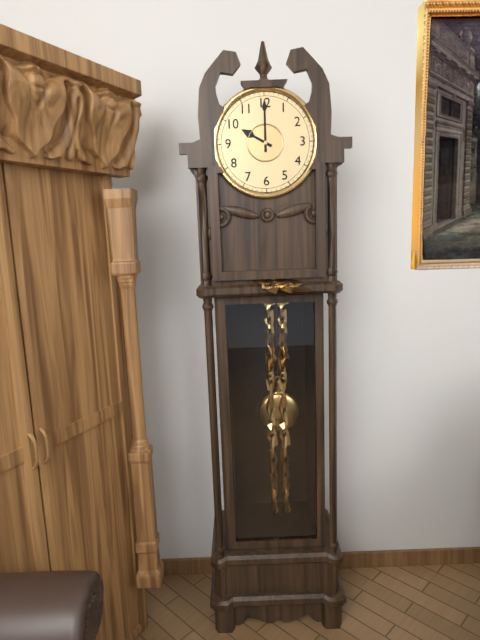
10:00
